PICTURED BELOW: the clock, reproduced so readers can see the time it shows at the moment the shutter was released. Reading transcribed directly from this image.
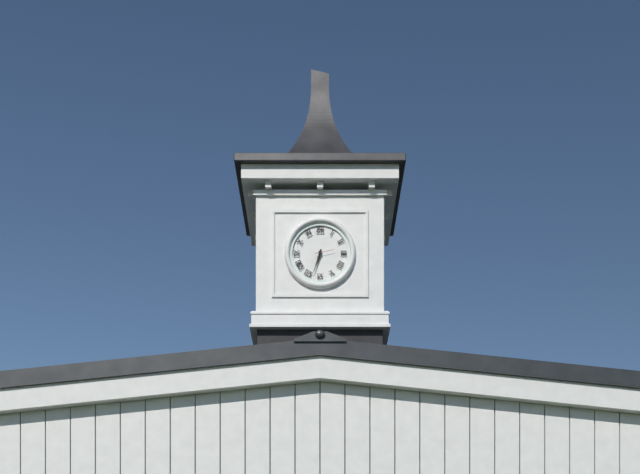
6:33
